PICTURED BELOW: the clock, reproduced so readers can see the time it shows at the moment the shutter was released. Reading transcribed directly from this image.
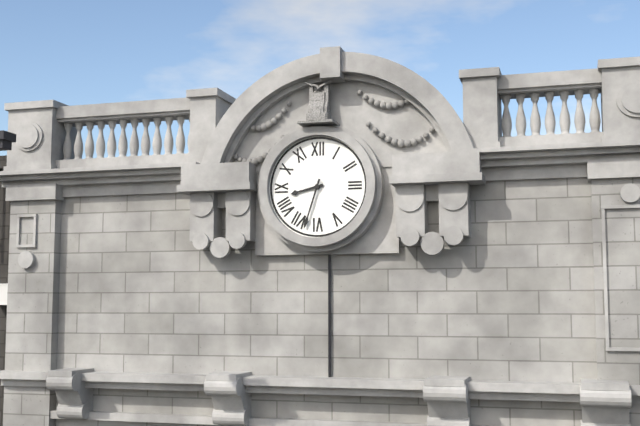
8:33
